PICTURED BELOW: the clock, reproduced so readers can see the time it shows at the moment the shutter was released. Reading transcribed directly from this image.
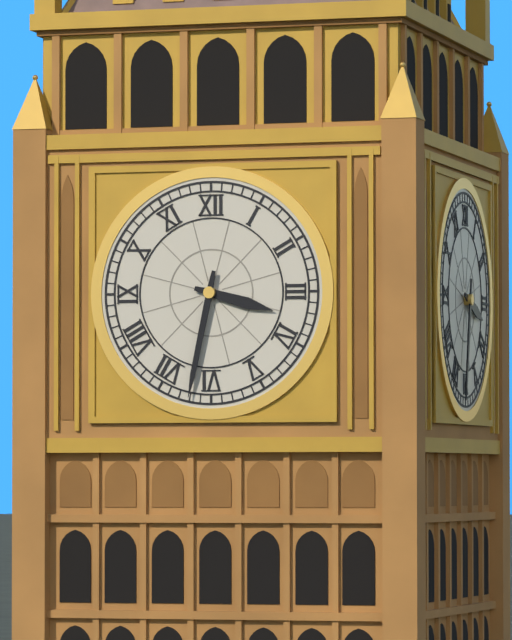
3:32
